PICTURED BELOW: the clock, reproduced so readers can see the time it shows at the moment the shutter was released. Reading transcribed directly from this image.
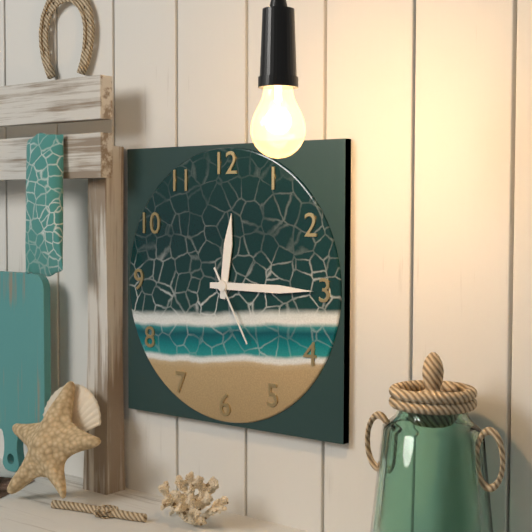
12:15:25
